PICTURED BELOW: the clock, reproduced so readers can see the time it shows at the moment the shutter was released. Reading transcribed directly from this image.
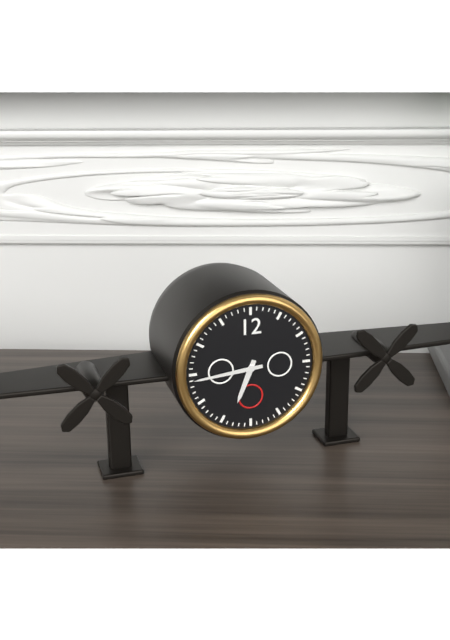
6:44
